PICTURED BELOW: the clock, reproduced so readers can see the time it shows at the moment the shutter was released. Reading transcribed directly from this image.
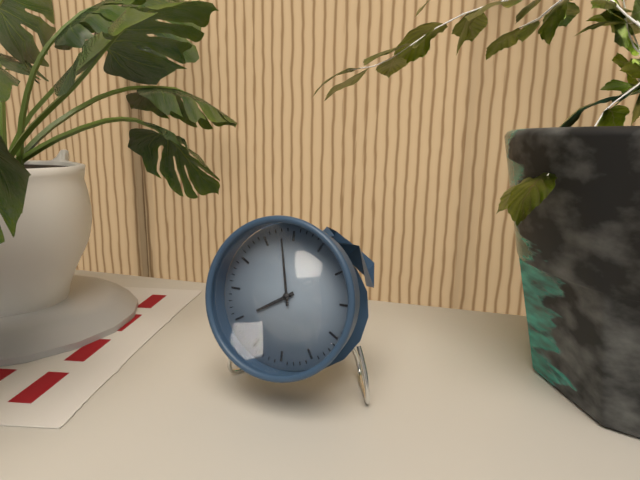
7:58
